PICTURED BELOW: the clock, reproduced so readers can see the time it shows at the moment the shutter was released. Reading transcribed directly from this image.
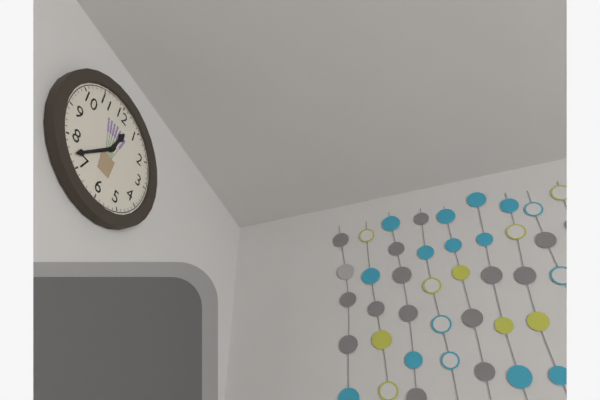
12:37
